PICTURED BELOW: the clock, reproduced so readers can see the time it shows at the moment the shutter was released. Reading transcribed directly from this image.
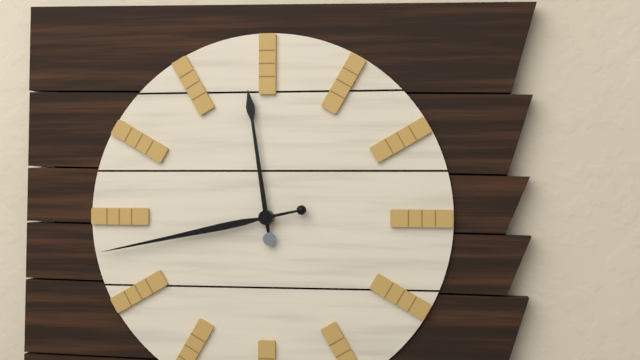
11:43
